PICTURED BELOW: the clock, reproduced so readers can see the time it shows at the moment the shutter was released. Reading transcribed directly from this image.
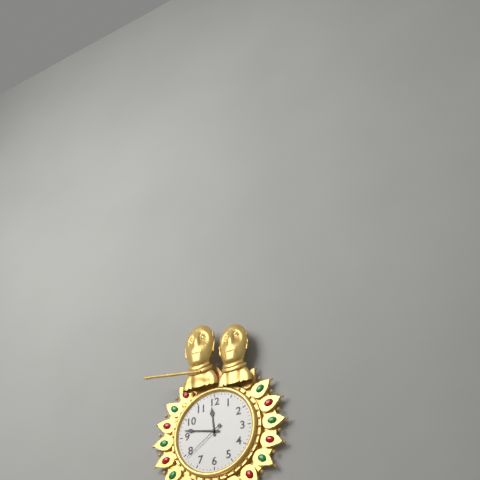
11:47
